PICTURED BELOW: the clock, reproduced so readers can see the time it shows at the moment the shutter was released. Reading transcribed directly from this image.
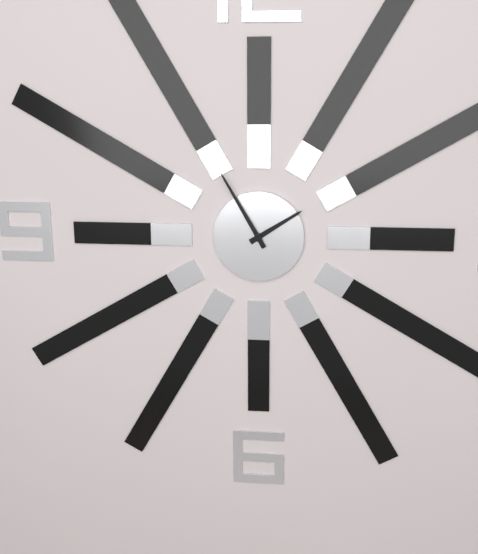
1:55
